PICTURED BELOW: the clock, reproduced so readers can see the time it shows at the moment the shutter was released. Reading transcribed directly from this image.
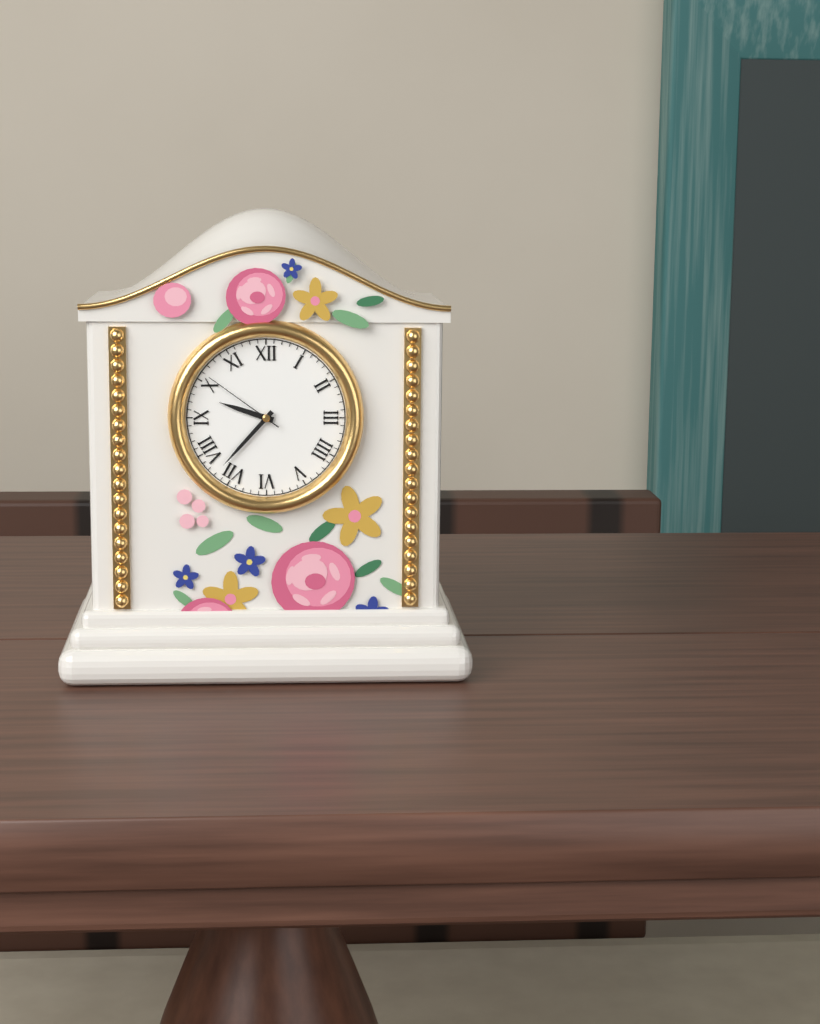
9:37:51
